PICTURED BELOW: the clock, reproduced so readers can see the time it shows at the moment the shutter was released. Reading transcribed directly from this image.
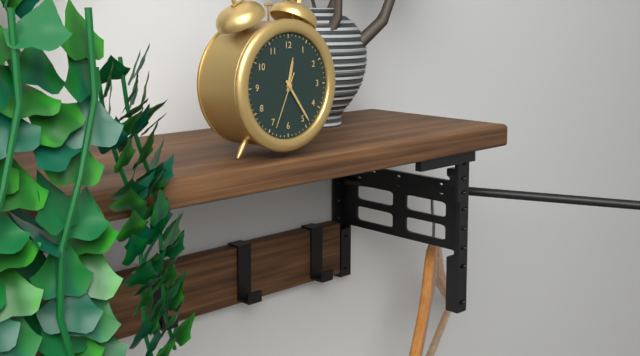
12:24:34
